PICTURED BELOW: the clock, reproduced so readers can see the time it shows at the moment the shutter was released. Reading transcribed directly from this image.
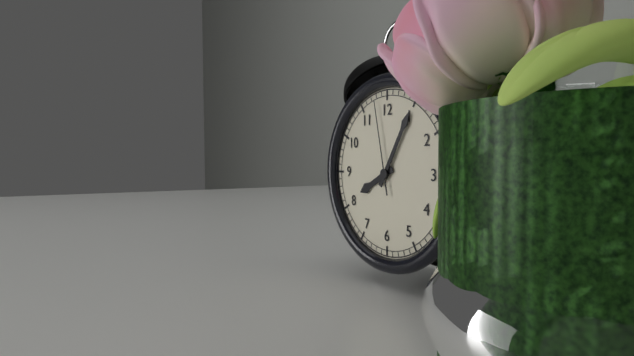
8:05:58
